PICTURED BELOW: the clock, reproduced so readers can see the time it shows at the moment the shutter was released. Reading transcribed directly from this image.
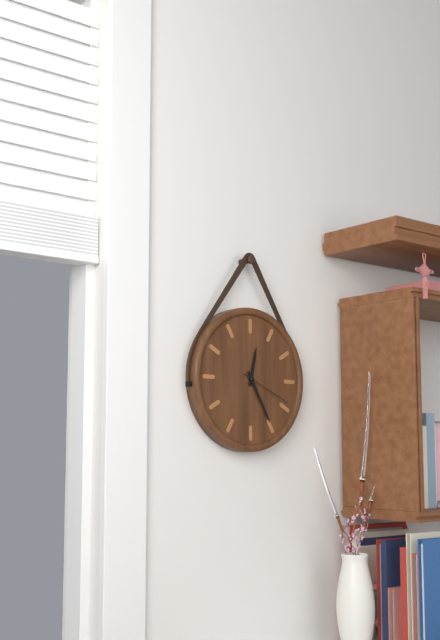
12:25:19
